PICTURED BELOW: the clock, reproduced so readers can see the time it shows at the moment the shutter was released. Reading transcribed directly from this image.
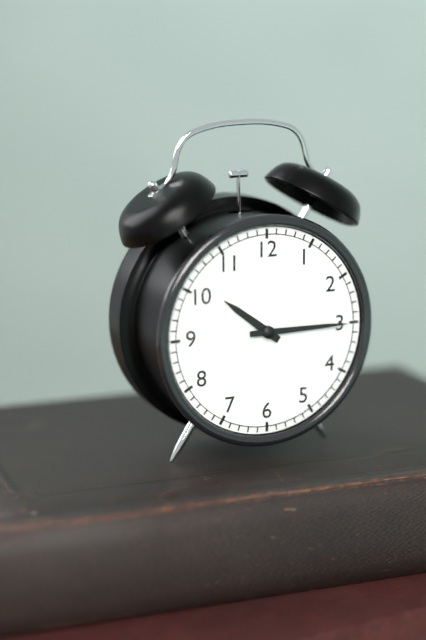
10:15
